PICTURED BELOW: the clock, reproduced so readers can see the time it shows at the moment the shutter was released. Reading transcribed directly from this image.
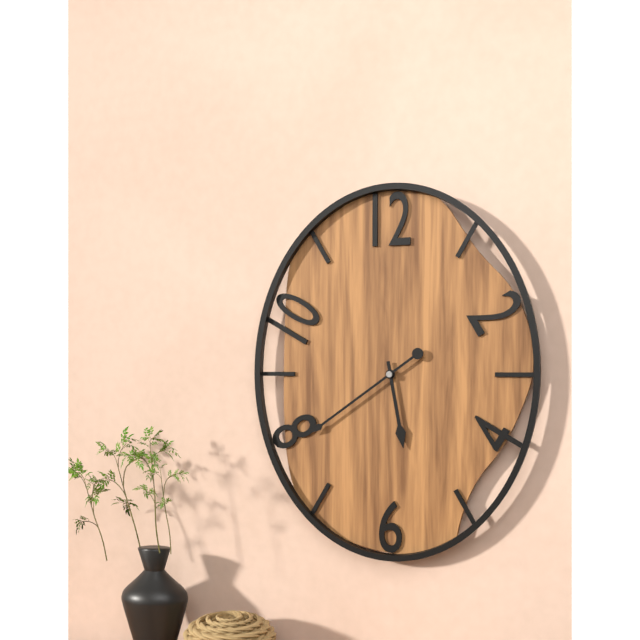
5:39
